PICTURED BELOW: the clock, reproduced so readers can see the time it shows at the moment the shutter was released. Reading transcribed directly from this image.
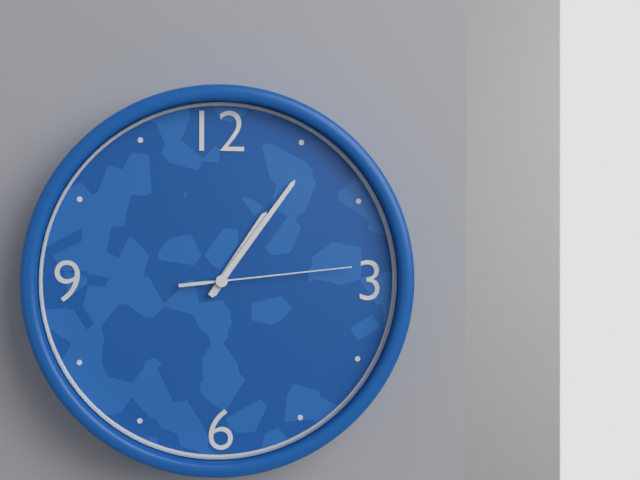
1:06:14
